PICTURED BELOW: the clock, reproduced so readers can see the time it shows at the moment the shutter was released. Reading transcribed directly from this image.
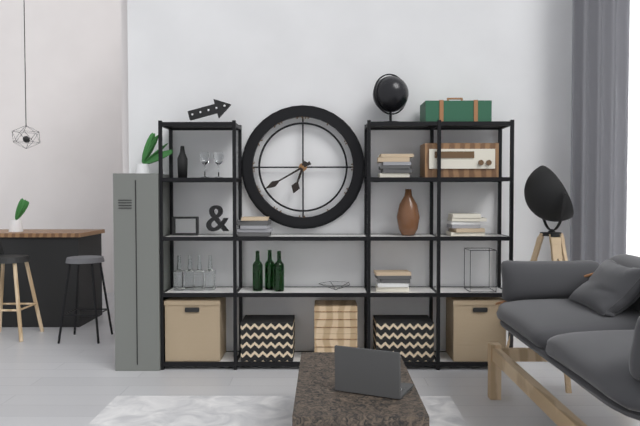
6:40
